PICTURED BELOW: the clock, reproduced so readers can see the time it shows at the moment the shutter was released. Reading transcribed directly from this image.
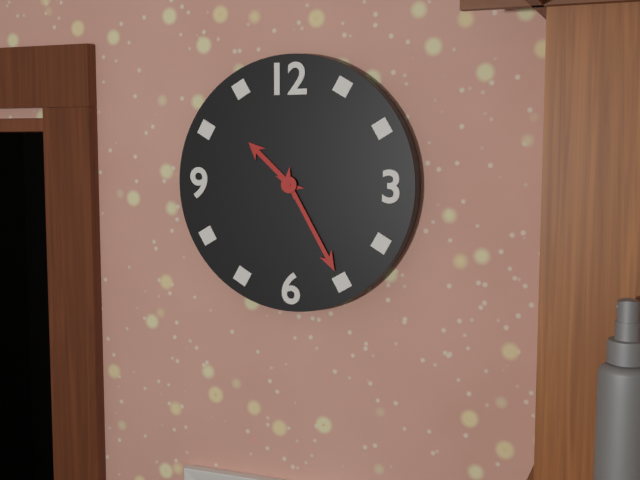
10:25
